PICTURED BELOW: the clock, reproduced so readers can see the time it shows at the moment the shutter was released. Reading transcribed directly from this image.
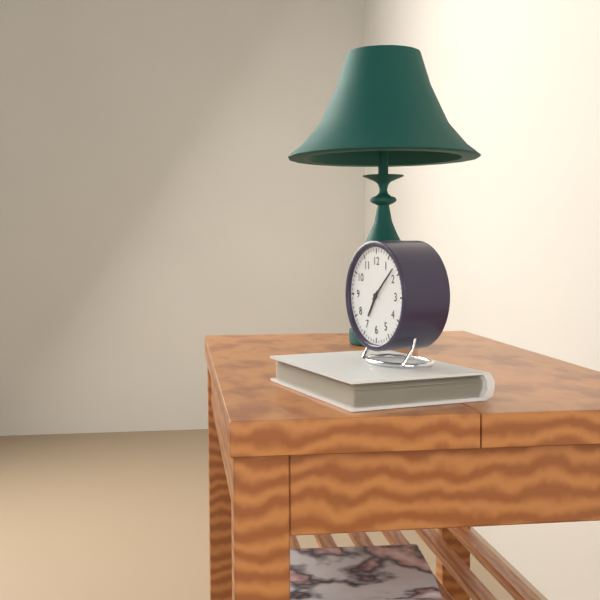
7:08
